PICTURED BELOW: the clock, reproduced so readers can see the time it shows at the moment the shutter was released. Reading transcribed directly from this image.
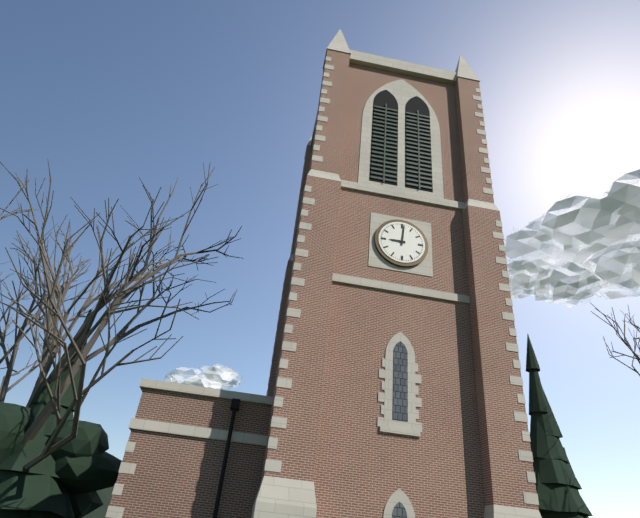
9:01
